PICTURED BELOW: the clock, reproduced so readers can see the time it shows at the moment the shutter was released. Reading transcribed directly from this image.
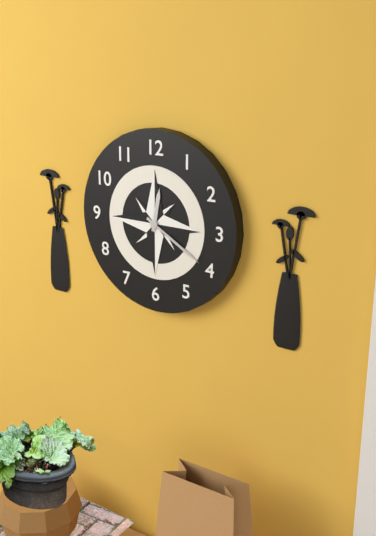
12:20
